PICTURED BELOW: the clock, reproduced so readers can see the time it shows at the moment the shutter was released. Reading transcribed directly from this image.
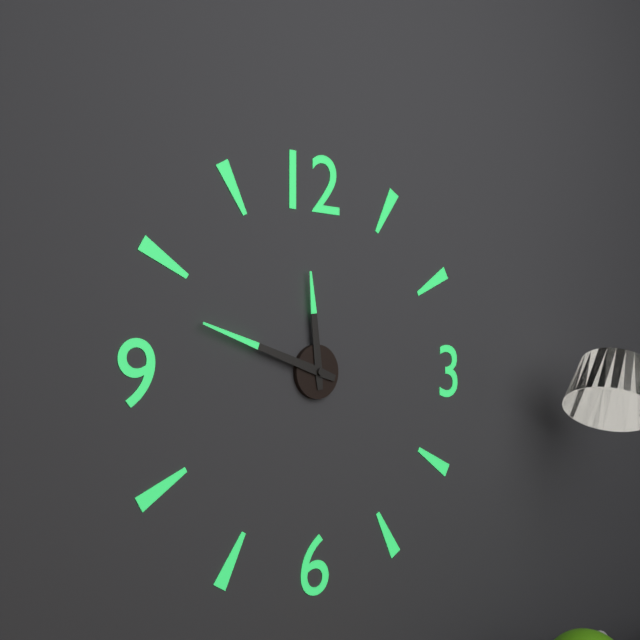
11:48
